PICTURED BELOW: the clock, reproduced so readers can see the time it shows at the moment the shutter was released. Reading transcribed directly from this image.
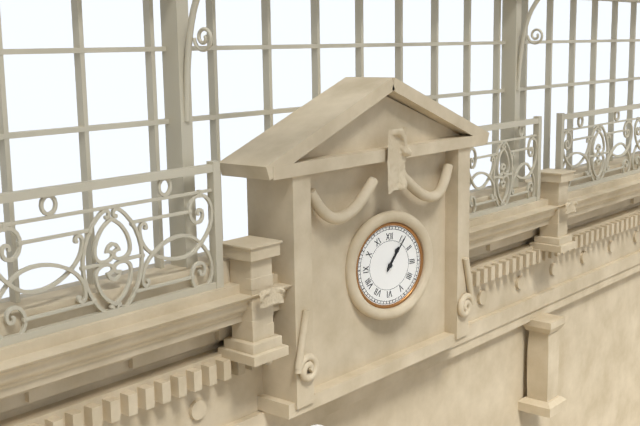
1:06
